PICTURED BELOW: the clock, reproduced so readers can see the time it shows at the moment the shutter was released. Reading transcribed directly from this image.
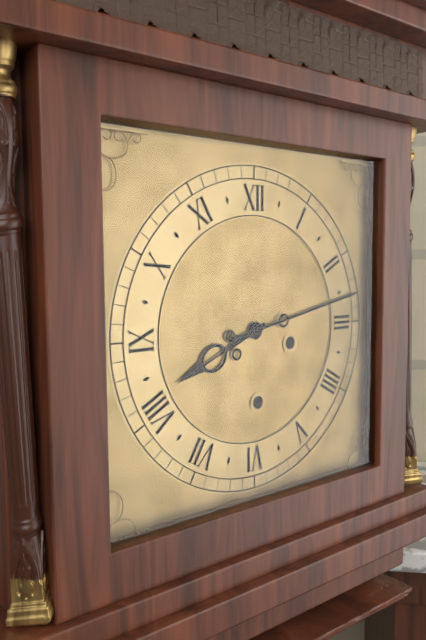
8:13
